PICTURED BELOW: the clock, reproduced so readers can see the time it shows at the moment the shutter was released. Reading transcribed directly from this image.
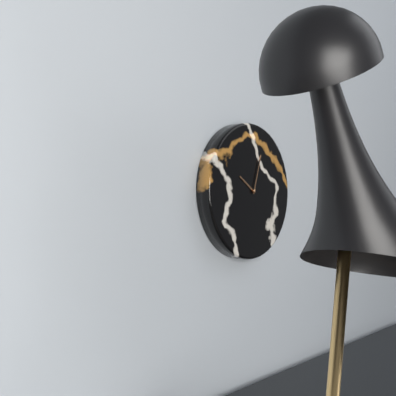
10:03
